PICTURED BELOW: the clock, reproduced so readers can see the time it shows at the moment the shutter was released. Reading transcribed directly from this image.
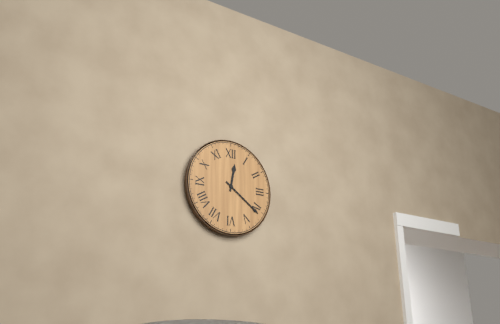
12:21
